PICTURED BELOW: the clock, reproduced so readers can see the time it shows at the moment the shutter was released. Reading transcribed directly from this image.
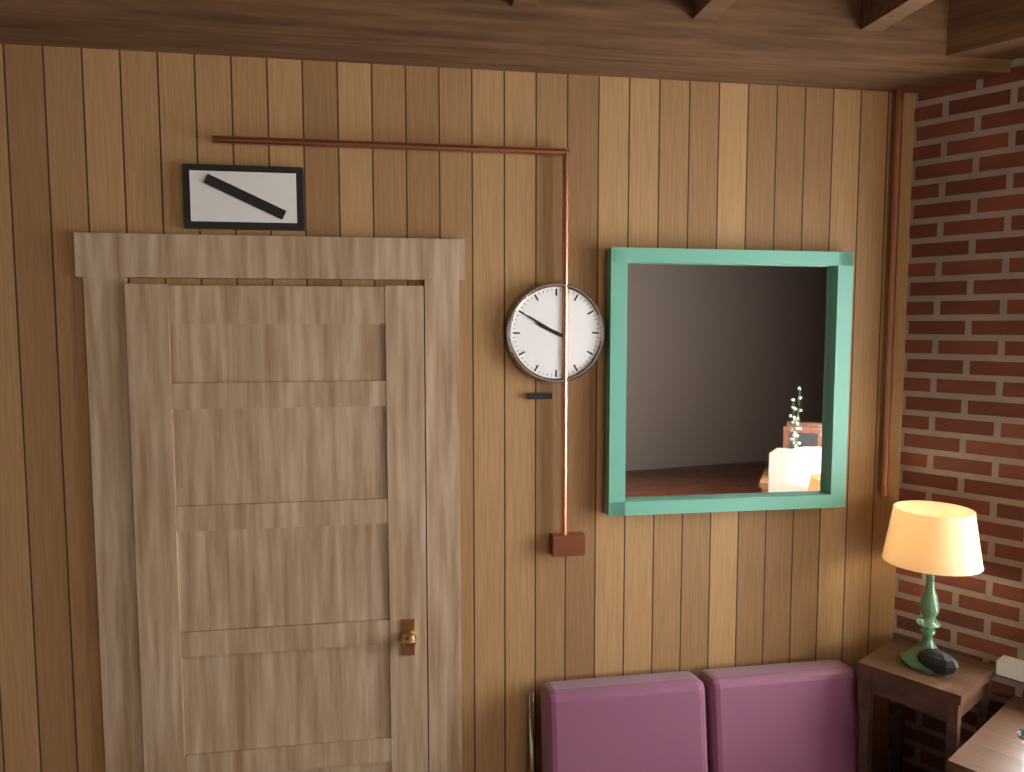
9:50
